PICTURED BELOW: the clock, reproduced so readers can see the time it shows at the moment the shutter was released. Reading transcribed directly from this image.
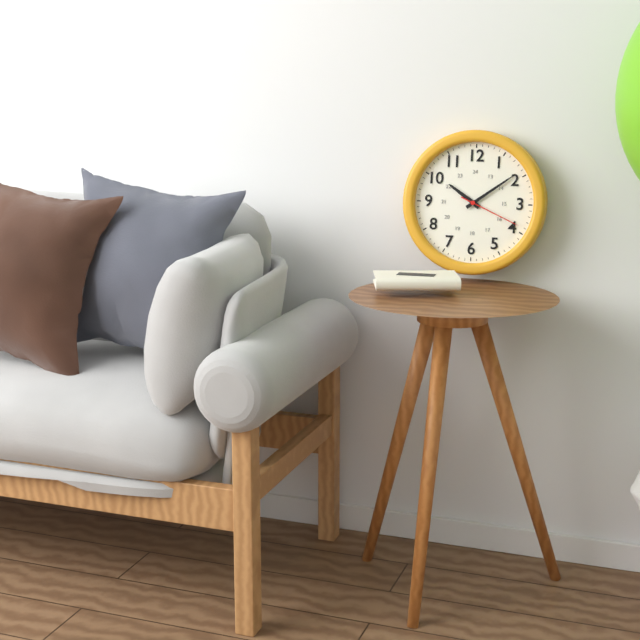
10:09:19
